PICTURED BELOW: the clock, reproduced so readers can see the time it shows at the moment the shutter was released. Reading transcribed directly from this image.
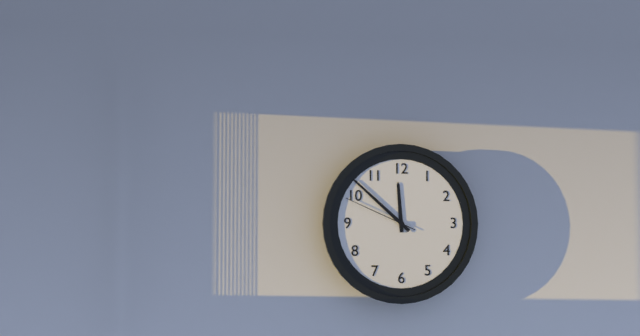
11:52:49
